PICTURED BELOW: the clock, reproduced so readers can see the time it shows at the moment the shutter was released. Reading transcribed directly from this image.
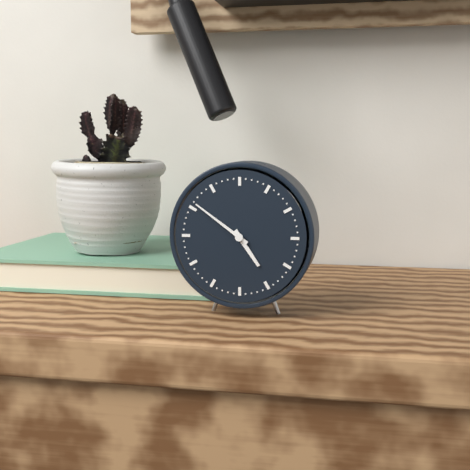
4:51
